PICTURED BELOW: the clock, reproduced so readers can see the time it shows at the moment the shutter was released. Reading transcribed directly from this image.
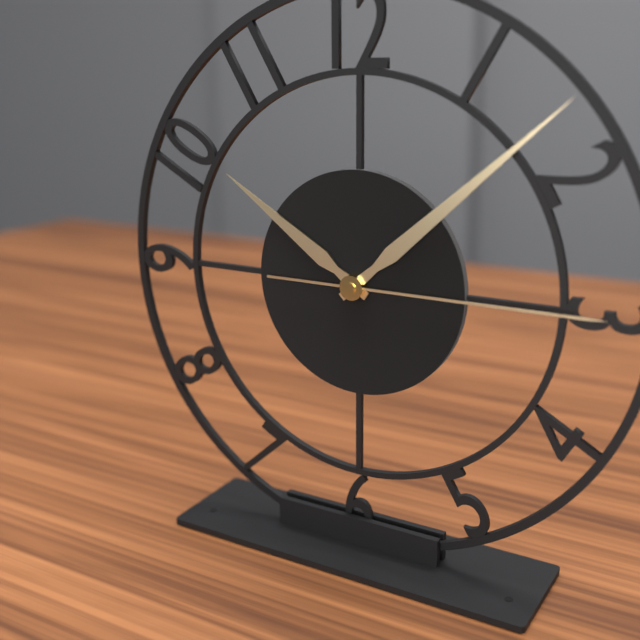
10:08:15
